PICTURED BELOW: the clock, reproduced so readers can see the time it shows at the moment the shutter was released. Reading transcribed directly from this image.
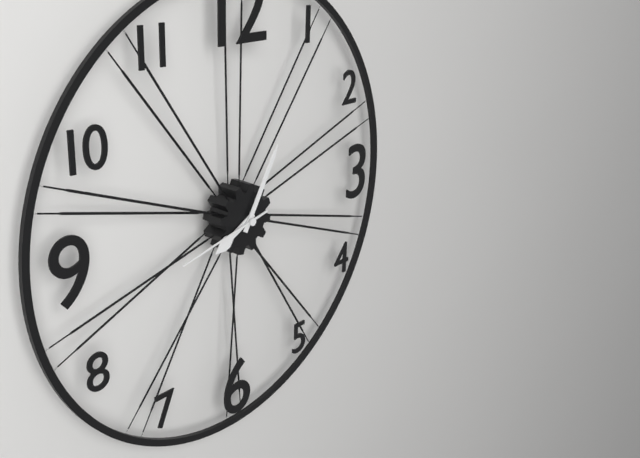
8:05:43
